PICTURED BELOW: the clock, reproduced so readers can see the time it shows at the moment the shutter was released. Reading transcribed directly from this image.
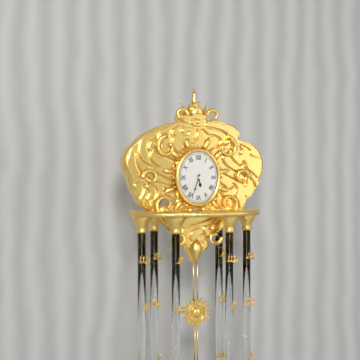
5:33
